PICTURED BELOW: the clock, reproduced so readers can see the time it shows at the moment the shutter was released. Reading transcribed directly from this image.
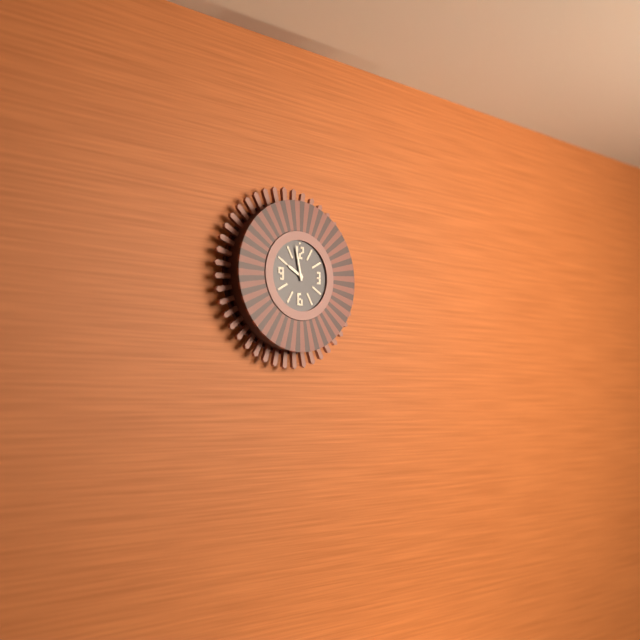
9:58
